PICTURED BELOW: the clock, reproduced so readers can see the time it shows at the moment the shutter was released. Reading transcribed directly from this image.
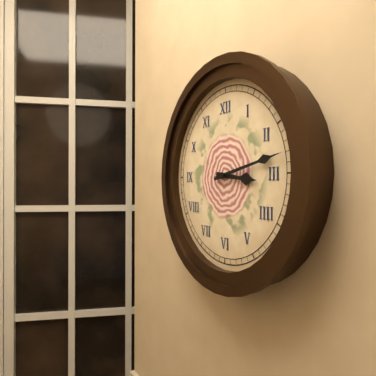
3:13
